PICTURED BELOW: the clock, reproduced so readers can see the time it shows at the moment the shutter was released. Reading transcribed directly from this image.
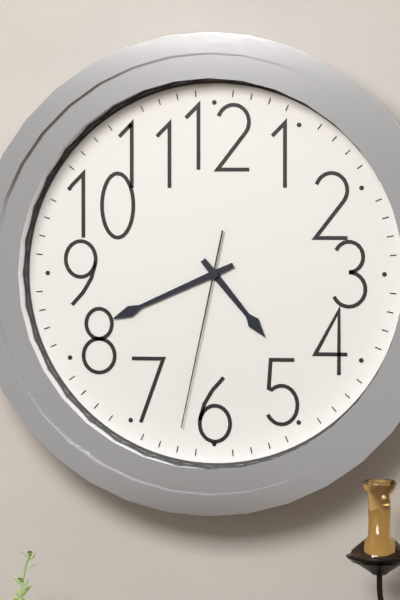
4:41:32
